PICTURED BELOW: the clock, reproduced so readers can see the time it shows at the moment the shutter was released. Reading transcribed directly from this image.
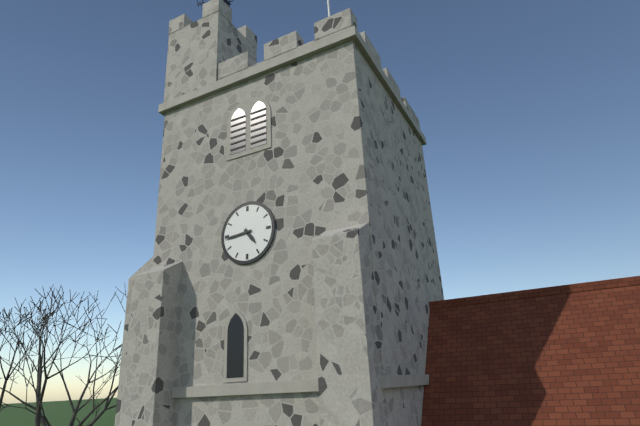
4:44
